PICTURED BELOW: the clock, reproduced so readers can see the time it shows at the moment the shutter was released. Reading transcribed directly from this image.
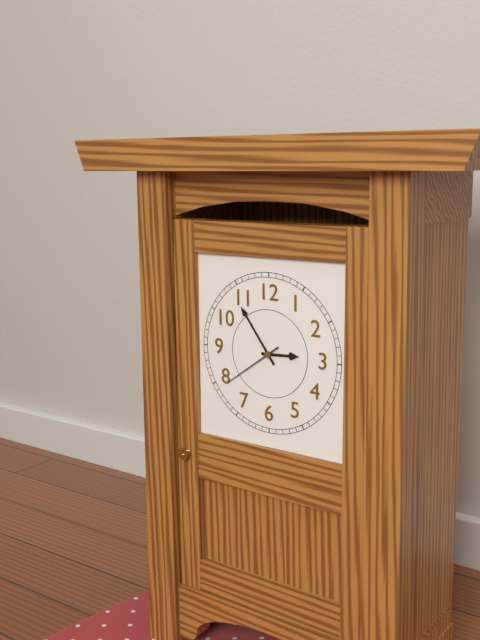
2:54:39
